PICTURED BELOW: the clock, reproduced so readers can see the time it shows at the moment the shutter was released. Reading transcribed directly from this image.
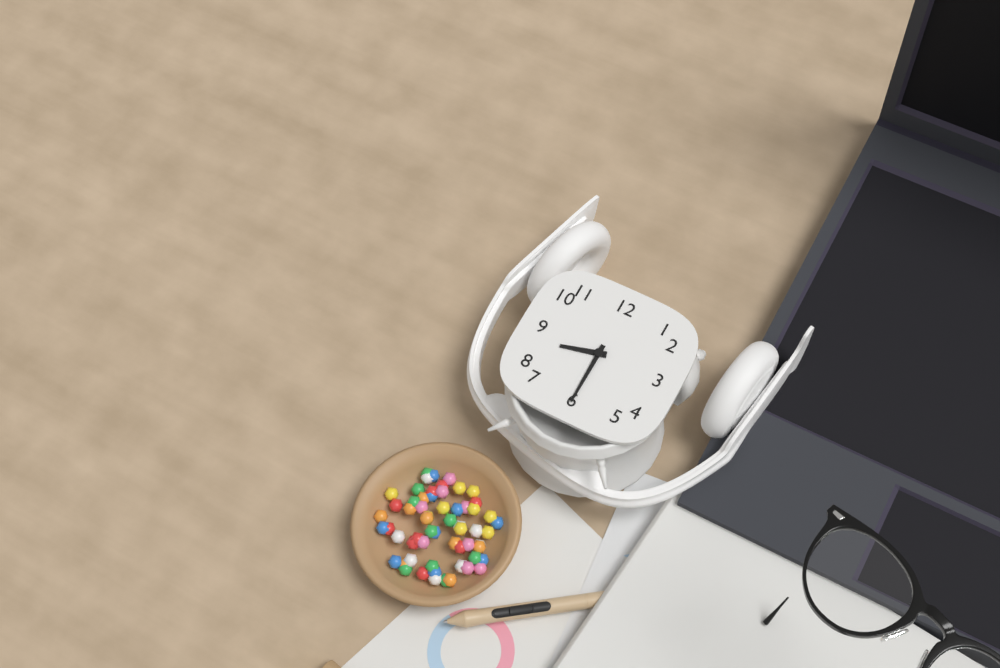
8:30
